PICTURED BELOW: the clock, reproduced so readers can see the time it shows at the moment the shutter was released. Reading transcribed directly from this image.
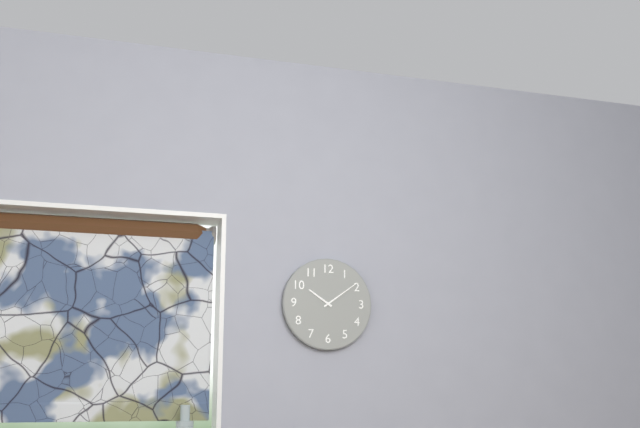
10:09
